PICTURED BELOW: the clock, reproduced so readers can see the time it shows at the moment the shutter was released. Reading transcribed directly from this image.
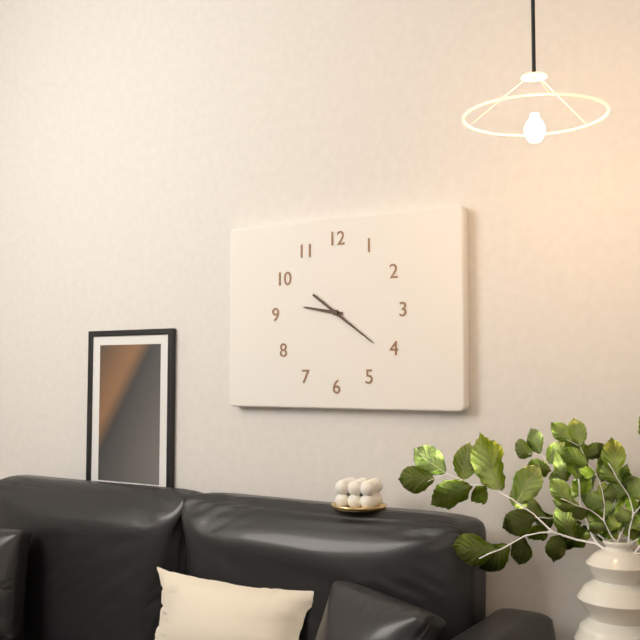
9:21
